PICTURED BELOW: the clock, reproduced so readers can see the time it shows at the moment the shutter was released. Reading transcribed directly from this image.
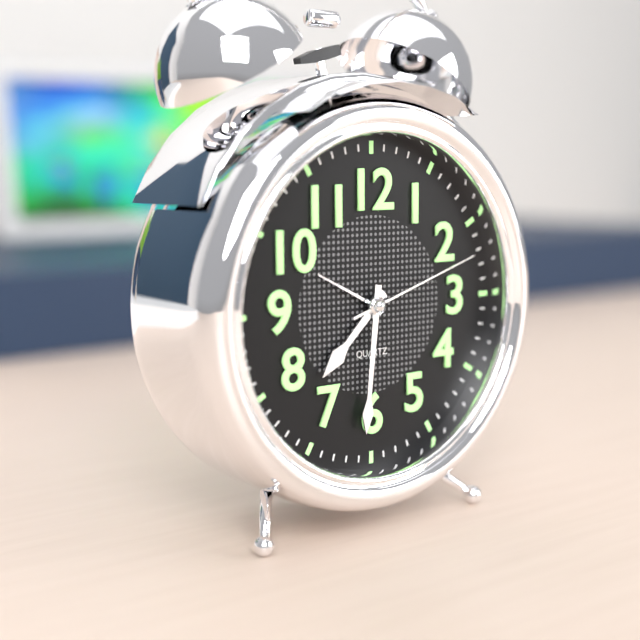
7:31:12
